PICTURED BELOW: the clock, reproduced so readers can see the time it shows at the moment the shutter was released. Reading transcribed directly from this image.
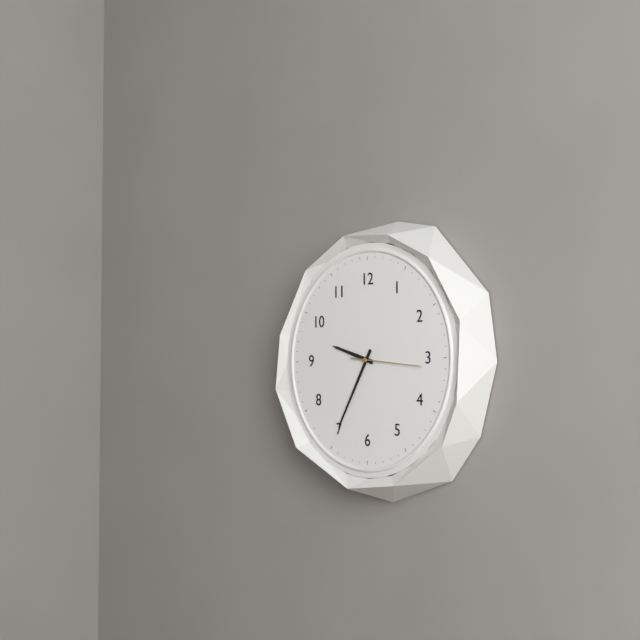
9:35:16
